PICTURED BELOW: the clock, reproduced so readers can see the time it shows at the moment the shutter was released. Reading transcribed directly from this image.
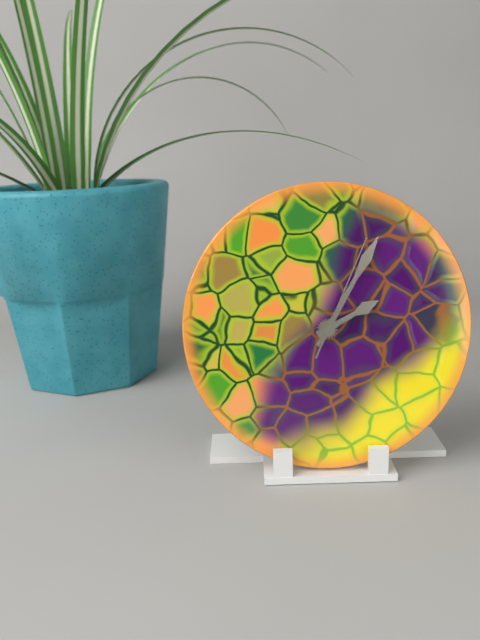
2:05:04
